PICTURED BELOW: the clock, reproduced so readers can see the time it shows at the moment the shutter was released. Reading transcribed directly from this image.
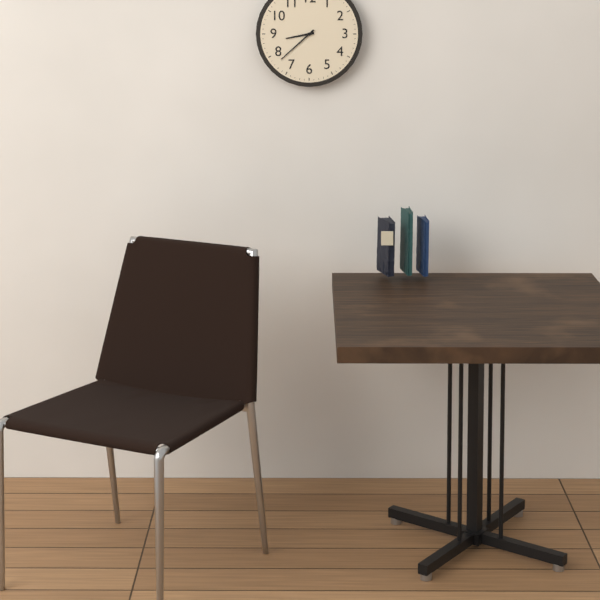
8:38
